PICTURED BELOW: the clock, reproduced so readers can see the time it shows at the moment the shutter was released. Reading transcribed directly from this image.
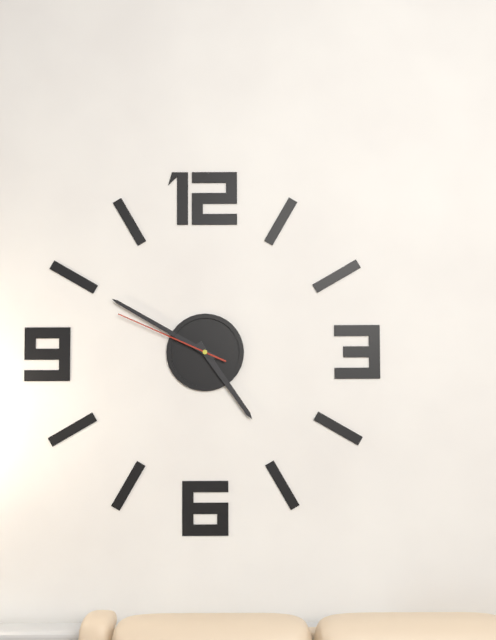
4:50:49
